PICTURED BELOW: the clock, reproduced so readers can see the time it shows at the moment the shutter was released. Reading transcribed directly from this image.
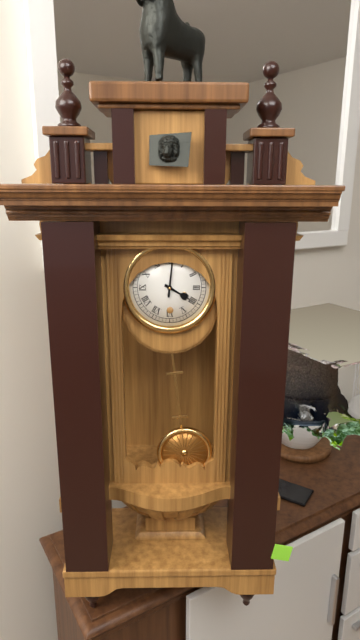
4:01
